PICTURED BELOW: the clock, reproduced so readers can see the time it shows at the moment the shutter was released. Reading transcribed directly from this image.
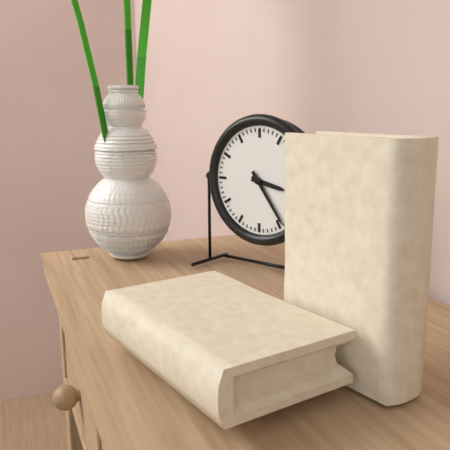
3:24
